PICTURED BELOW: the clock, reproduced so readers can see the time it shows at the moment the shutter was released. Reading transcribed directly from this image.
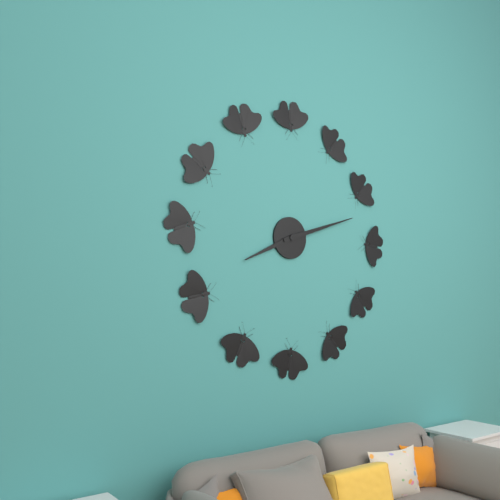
8:12
